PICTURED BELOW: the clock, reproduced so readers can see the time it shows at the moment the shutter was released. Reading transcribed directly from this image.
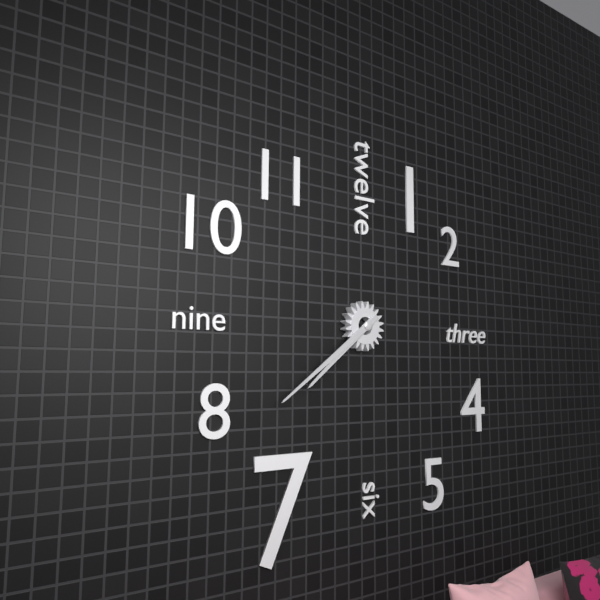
7:39
